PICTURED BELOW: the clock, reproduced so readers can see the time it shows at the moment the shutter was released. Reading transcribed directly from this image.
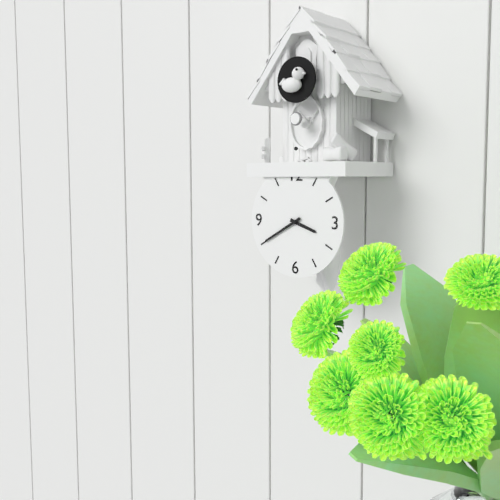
3:40
